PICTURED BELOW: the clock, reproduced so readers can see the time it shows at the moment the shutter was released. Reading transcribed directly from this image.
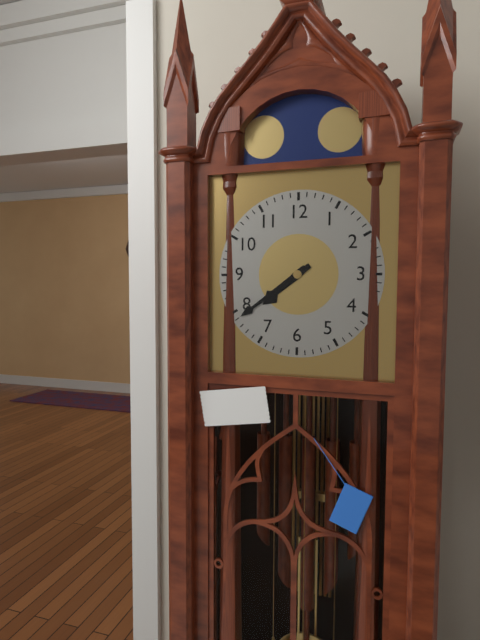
7:39
